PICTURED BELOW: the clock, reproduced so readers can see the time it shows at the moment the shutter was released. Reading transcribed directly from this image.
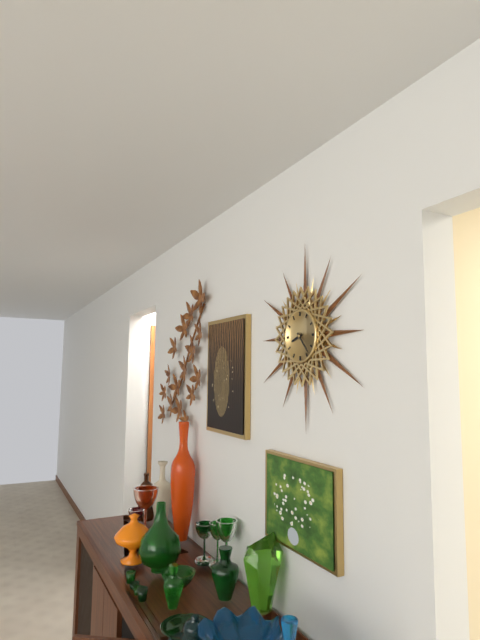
8:23
